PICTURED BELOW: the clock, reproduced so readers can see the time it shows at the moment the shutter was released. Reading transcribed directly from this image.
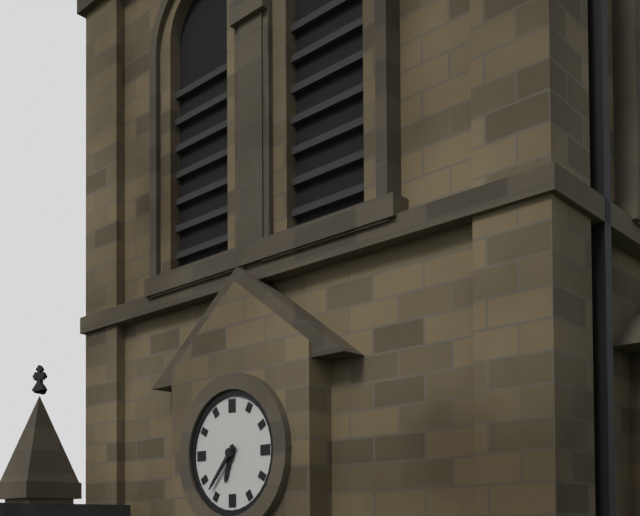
6:37
